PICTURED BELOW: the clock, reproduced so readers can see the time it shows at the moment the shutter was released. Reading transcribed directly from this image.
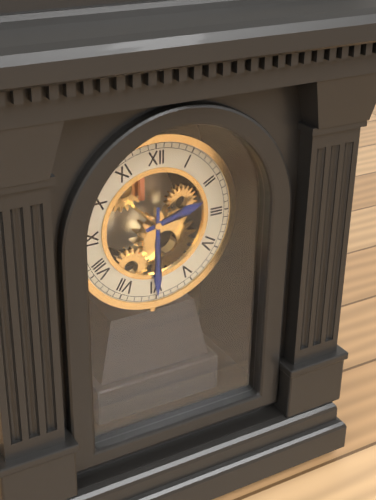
2:30
